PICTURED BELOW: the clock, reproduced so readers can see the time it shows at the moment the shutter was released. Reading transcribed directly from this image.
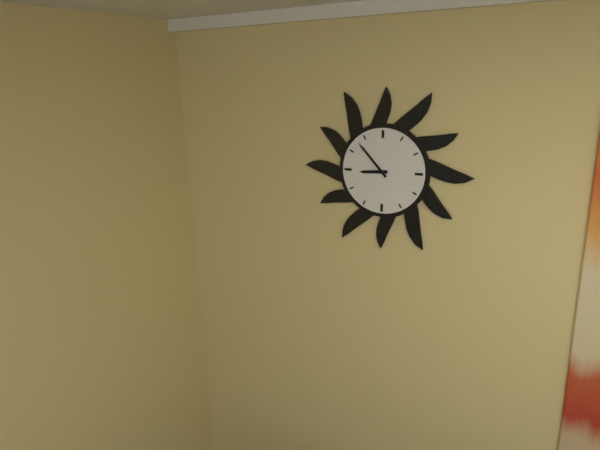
8:53
